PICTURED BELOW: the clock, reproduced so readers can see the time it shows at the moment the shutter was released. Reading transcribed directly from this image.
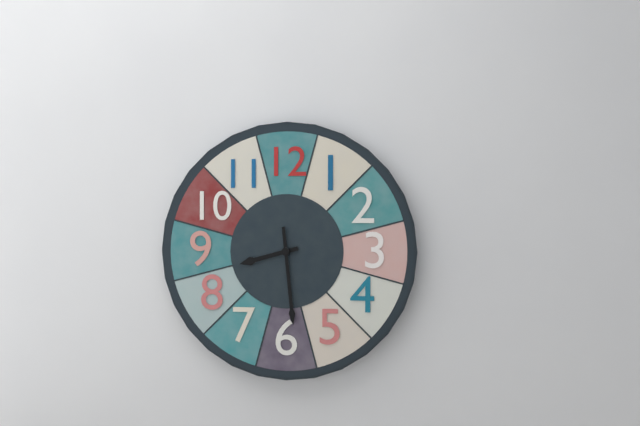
8:29
